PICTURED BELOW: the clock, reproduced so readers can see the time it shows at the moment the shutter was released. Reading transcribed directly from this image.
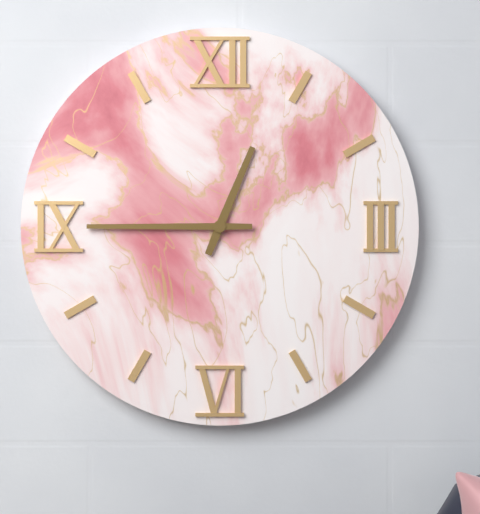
12:45
